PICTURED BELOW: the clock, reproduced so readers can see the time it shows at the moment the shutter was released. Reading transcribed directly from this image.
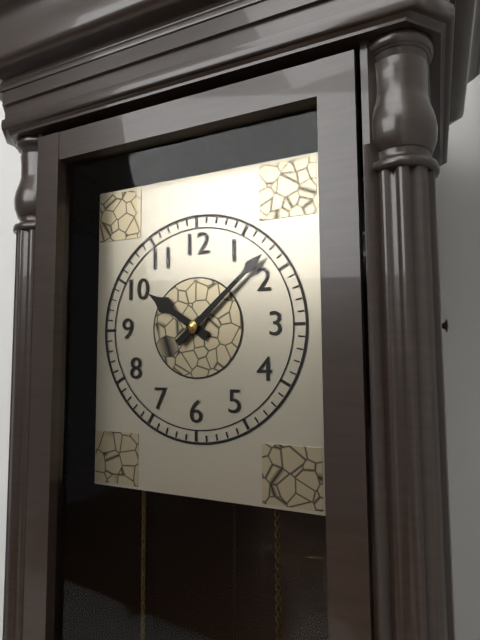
10:08
